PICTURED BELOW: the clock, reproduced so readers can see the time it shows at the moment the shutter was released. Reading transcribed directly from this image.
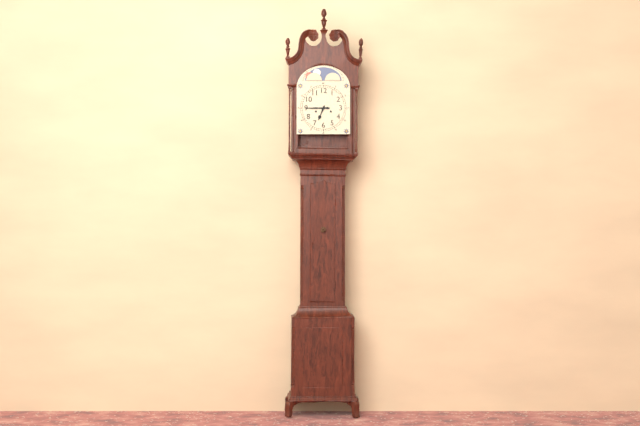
6:45
